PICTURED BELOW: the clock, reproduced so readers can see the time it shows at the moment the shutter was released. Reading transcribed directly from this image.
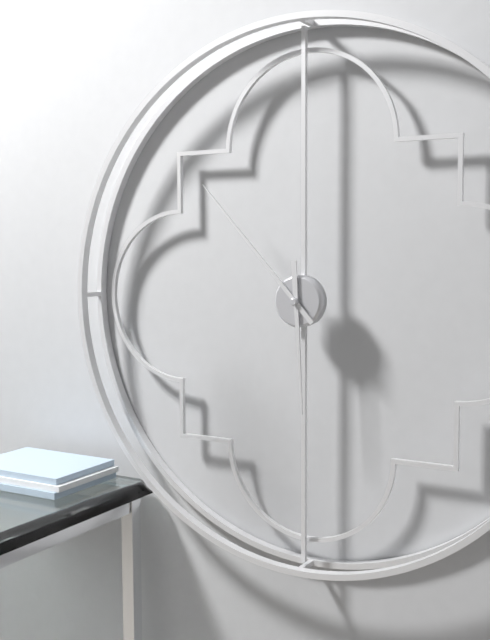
5:53
